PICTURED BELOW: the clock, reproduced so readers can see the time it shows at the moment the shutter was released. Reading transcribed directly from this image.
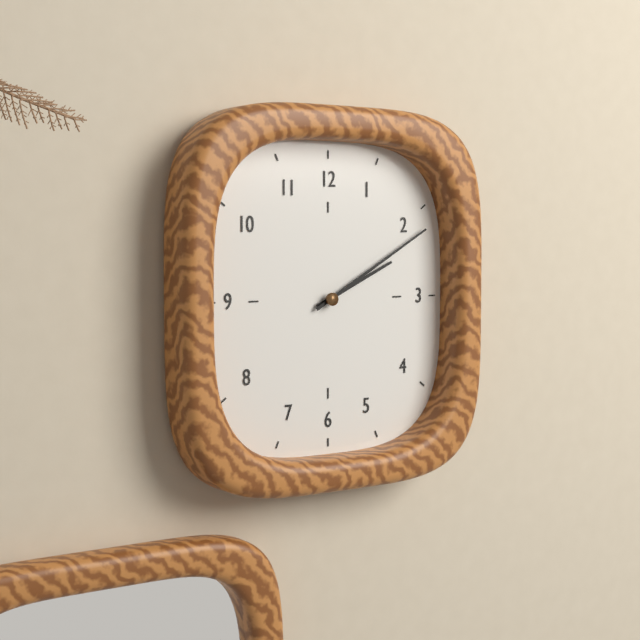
2:10
